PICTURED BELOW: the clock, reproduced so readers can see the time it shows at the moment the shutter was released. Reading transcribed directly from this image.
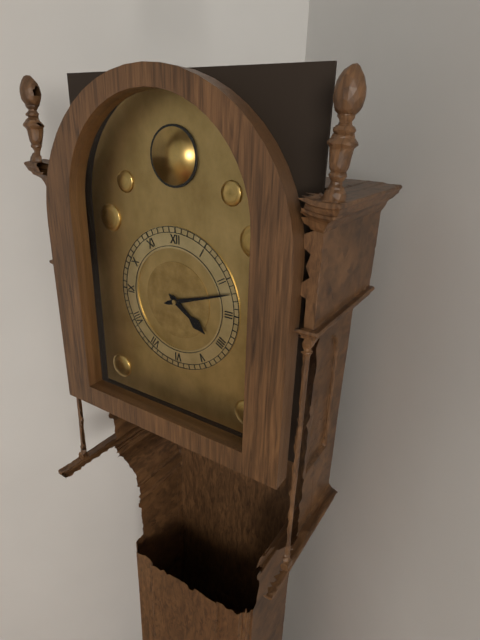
4:12
